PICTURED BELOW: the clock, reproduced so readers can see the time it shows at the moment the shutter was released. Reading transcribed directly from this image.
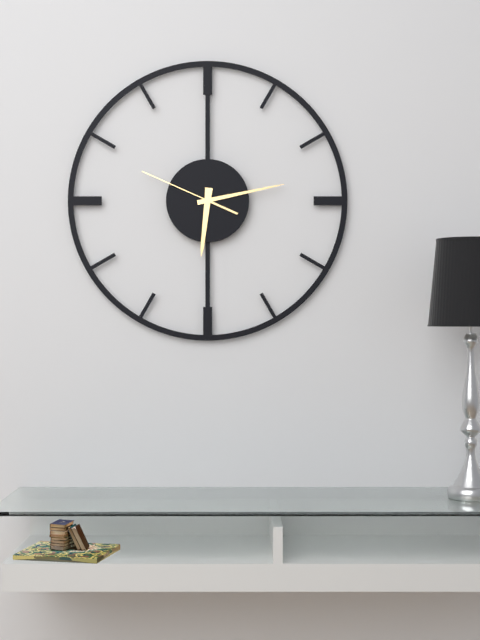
6:13:49
